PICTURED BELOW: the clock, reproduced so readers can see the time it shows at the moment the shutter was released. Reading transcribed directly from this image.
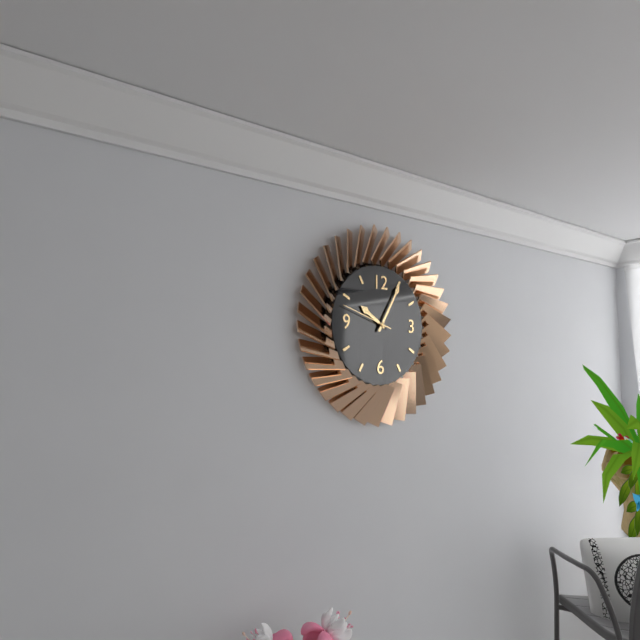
10:05:48
